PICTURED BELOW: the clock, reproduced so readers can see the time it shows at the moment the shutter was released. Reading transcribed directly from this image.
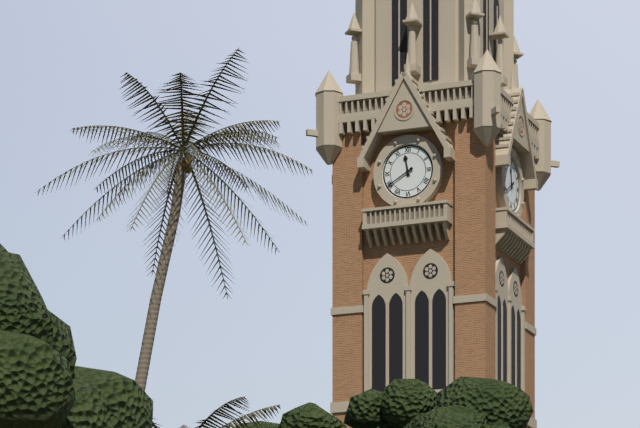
11:40
